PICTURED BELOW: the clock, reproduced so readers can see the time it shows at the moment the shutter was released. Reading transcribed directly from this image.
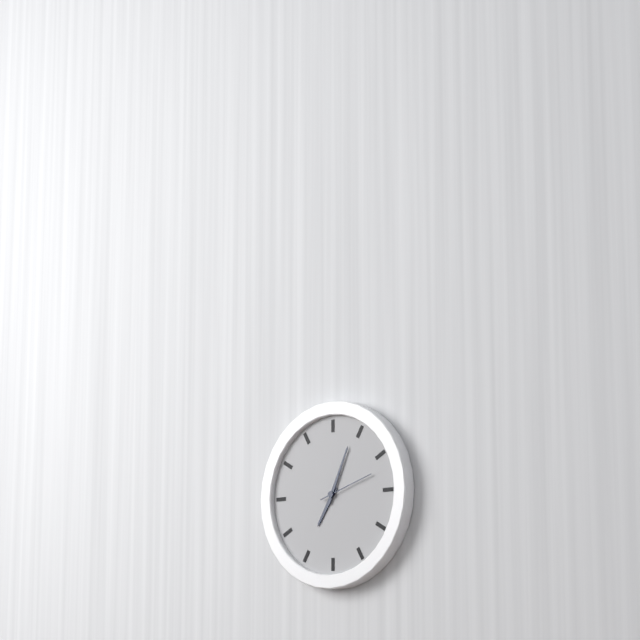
7:04:12
